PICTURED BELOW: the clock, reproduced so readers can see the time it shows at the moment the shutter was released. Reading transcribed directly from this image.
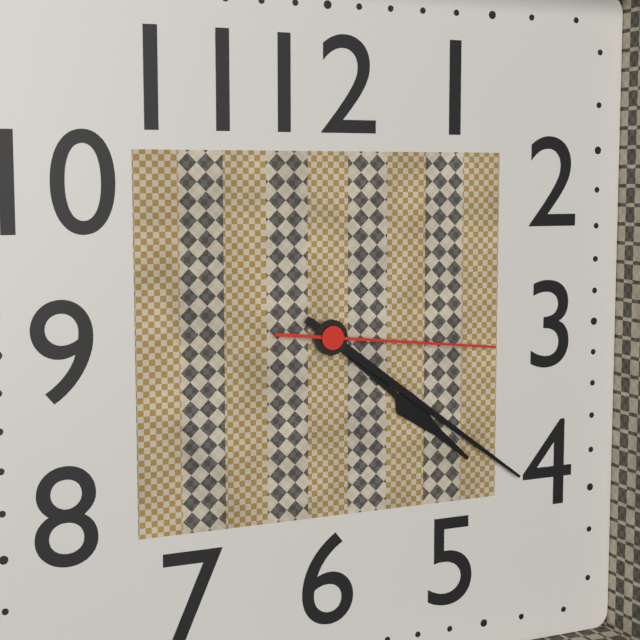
4:21:16
